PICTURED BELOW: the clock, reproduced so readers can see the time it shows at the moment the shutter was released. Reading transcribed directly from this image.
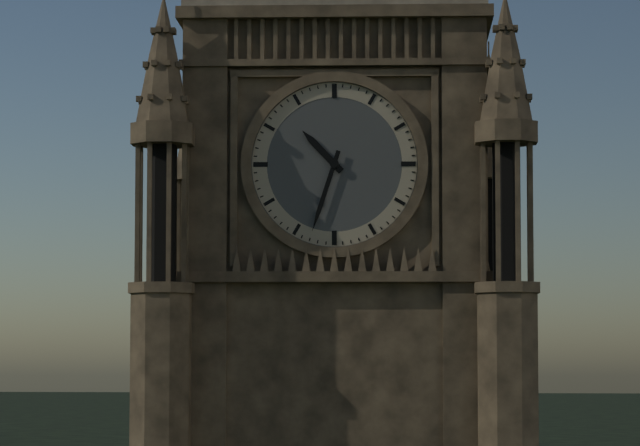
10:33
